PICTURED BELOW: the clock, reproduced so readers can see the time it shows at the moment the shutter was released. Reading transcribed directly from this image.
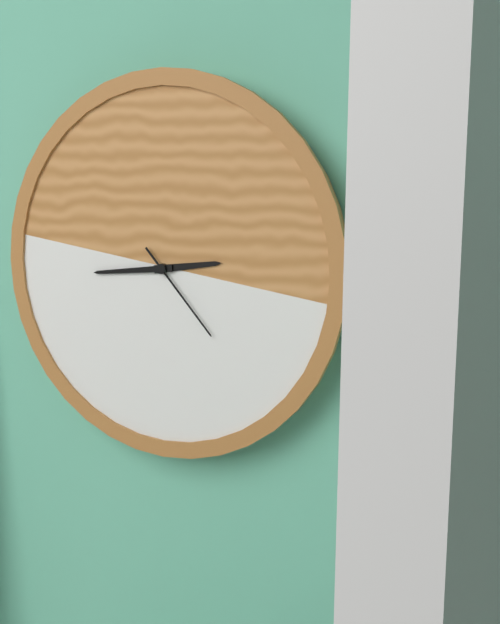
2:44:23
